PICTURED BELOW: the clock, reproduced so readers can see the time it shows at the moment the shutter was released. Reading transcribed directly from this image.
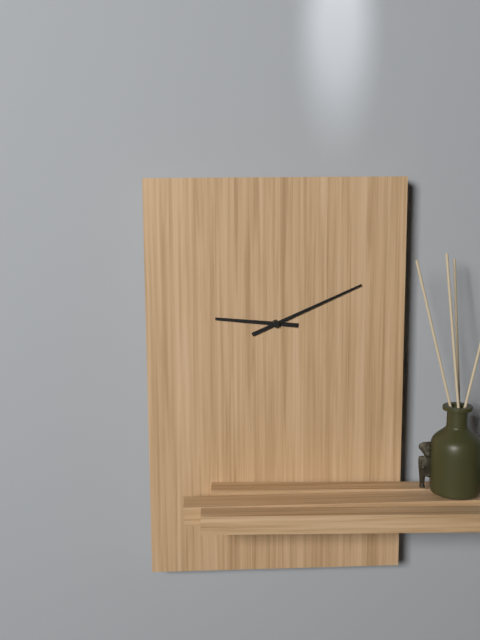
9:11
